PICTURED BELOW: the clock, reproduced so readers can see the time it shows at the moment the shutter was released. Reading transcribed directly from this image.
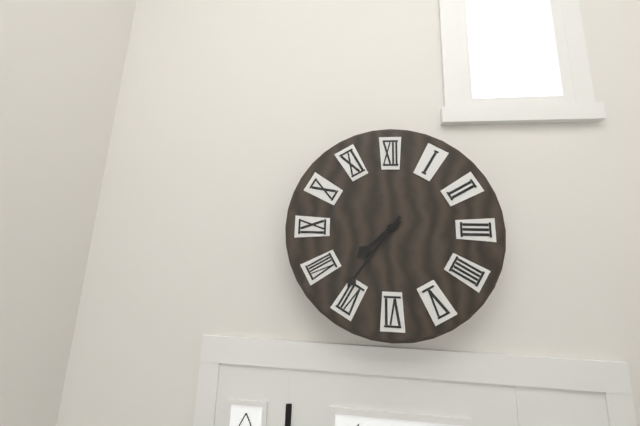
7:36
